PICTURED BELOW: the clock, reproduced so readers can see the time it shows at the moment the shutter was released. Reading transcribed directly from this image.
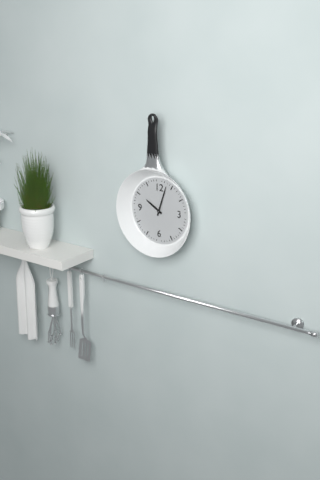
10:03
